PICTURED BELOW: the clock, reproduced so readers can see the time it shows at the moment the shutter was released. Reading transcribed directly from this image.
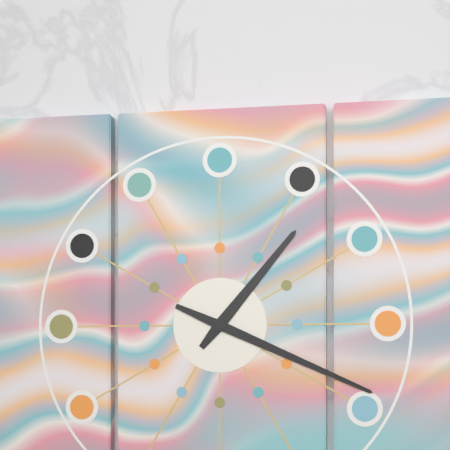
1:19
